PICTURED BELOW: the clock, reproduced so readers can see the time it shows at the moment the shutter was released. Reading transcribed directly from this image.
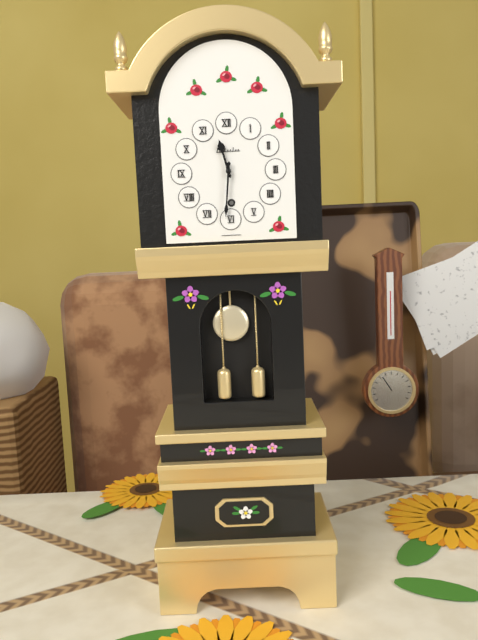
11:31
